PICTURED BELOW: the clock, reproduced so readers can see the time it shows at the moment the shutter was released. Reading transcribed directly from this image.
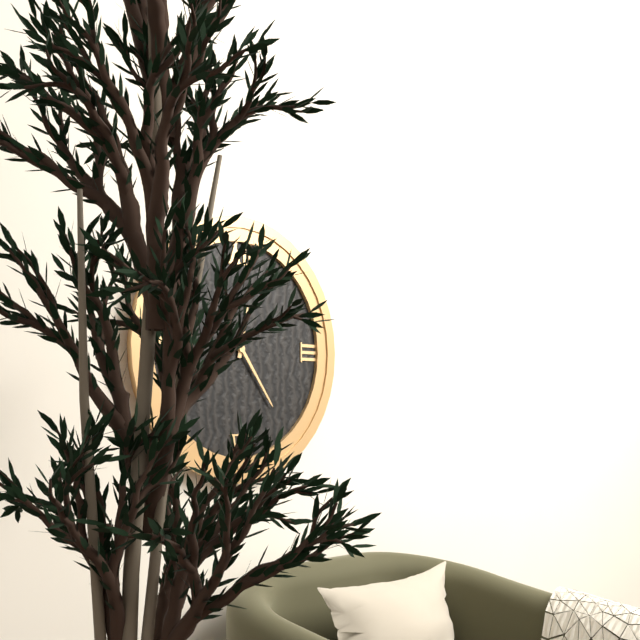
12:24
